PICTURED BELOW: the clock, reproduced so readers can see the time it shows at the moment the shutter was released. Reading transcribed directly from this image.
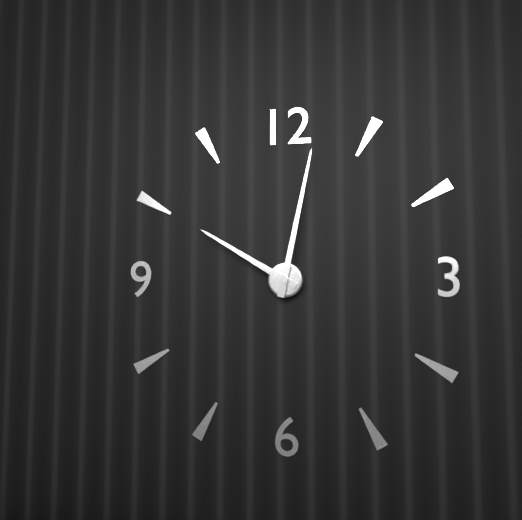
10:02
